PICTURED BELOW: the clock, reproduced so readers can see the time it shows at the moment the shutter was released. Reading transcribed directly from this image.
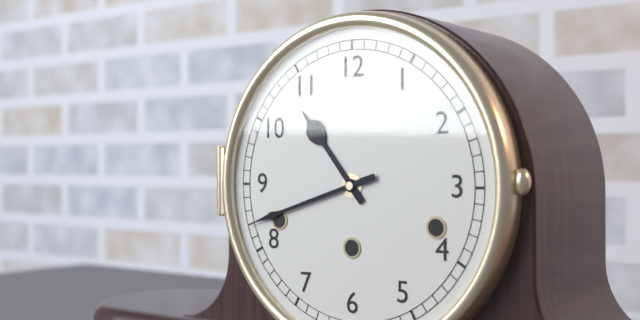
10:42
